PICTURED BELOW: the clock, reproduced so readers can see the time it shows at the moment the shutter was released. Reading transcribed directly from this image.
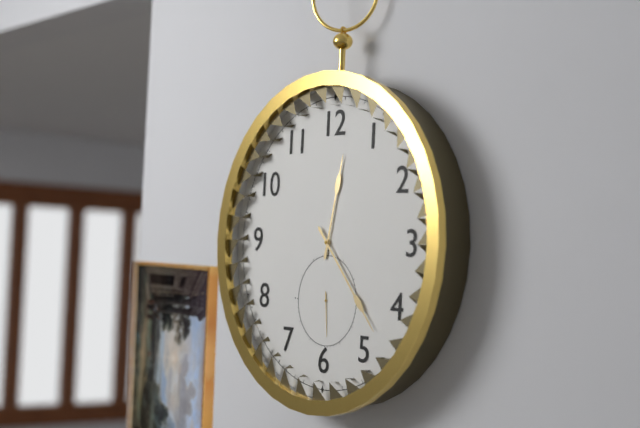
12:23
